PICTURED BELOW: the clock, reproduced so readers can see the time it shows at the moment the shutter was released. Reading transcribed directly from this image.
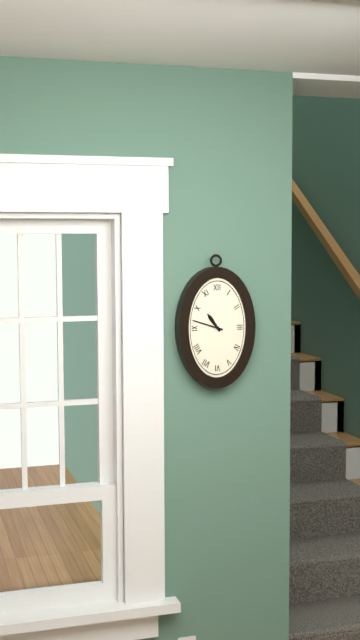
10:48
